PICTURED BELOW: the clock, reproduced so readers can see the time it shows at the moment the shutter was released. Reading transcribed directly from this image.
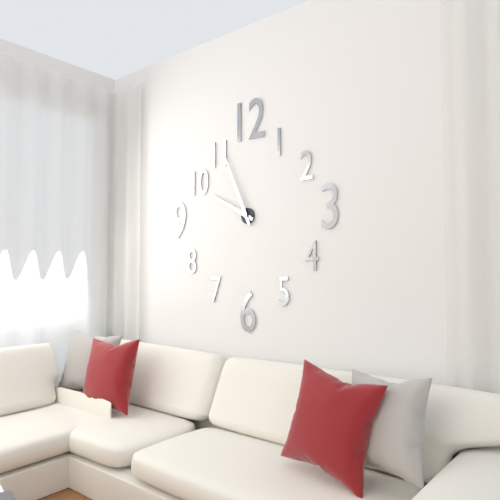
9:56
